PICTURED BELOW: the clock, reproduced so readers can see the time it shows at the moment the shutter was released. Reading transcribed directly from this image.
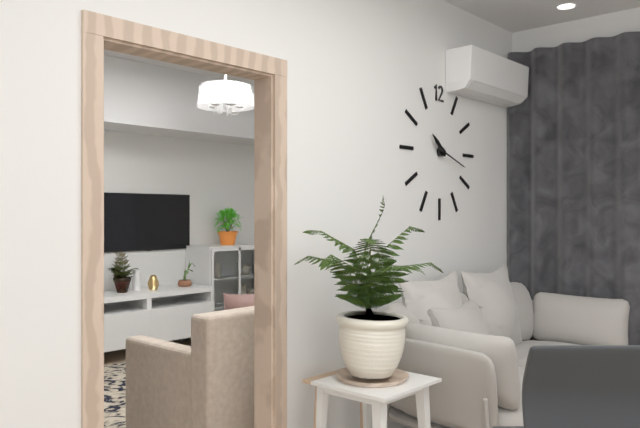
10:18
